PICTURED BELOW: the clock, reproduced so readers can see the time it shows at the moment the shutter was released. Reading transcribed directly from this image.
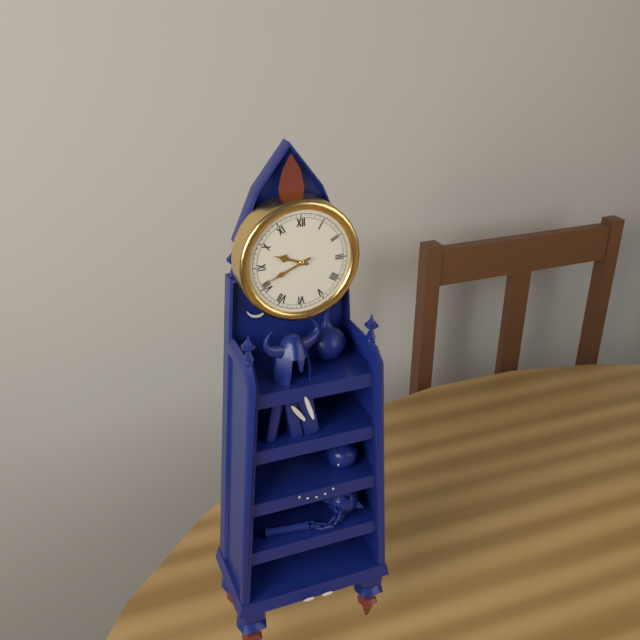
9:41
